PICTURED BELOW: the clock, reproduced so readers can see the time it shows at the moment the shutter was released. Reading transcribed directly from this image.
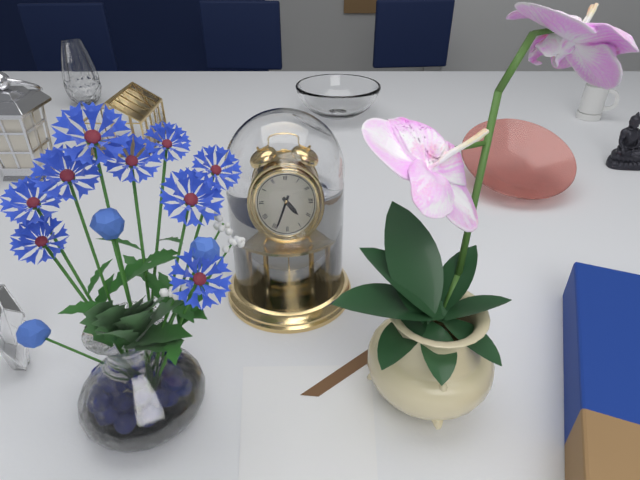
4:34
